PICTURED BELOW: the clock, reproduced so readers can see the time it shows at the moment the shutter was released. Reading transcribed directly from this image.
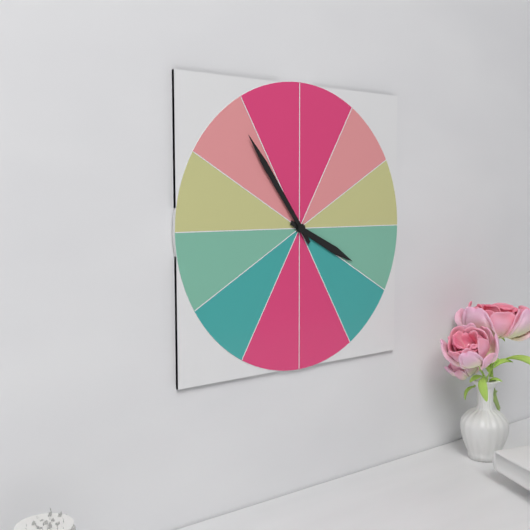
3:54
